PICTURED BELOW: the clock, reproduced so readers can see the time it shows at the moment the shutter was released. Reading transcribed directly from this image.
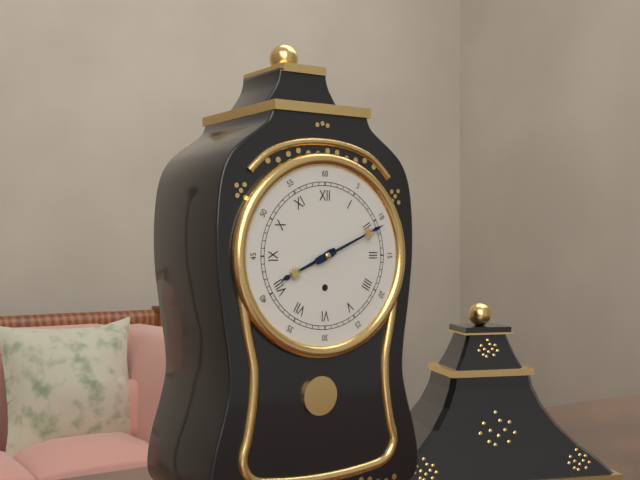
8:11
